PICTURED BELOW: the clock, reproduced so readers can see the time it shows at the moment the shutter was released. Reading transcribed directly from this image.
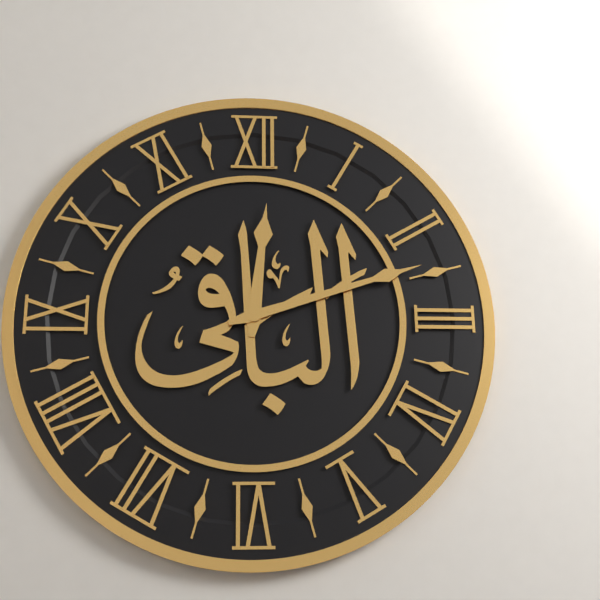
12:12
